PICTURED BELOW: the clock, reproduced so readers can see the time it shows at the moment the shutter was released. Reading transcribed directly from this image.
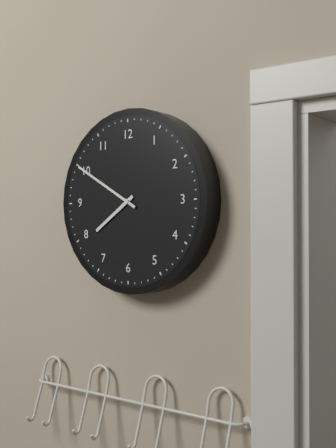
7:50
